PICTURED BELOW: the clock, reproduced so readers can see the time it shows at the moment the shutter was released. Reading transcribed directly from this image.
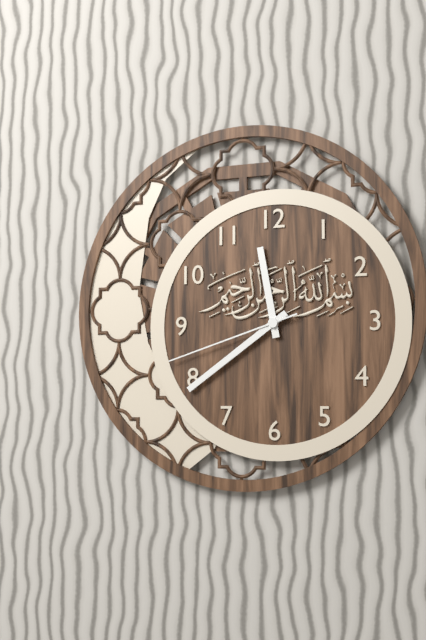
11:39:42
